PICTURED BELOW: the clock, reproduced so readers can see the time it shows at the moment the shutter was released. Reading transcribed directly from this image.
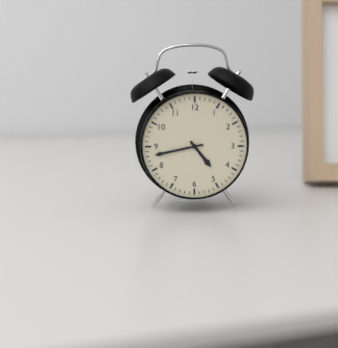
4:43
